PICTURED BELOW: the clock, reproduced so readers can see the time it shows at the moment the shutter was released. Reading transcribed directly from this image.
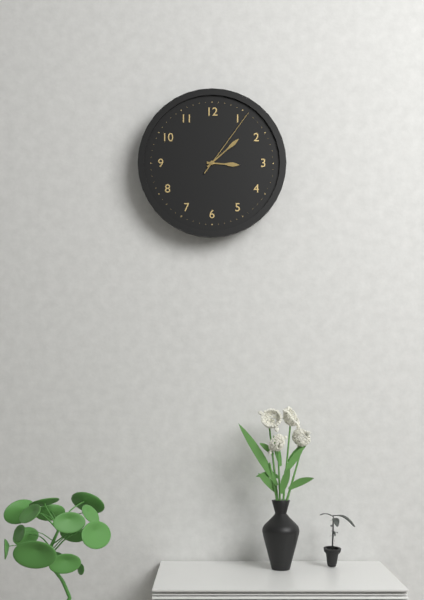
3:08:06
